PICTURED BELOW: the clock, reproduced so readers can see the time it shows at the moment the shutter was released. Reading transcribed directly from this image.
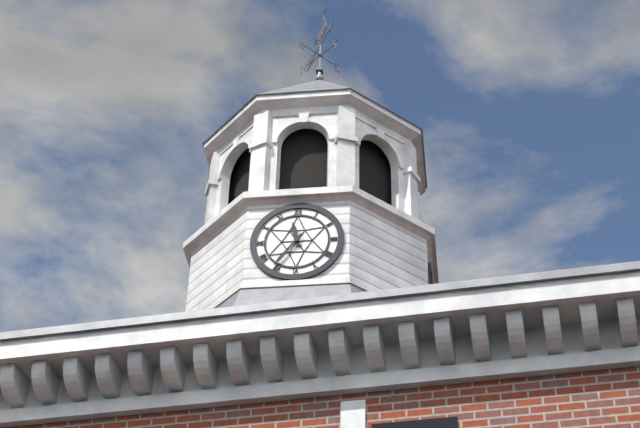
11:36
